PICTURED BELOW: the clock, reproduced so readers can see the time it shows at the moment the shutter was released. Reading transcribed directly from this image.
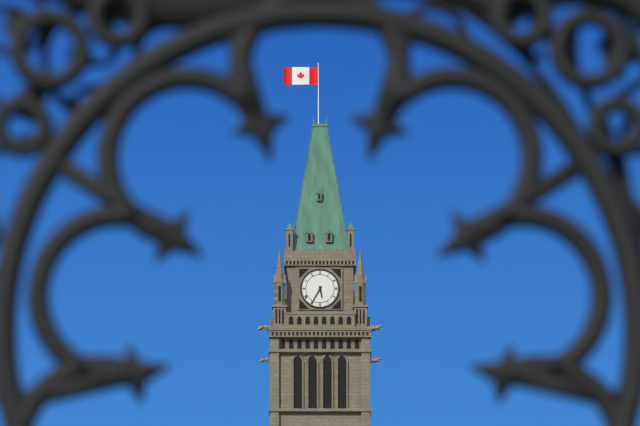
5:35
